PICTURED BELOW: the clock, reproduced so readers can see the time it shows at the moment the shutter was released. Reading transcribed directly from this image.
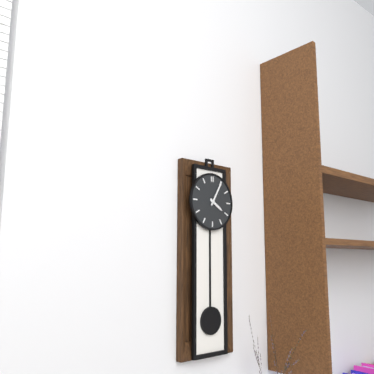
4:05
